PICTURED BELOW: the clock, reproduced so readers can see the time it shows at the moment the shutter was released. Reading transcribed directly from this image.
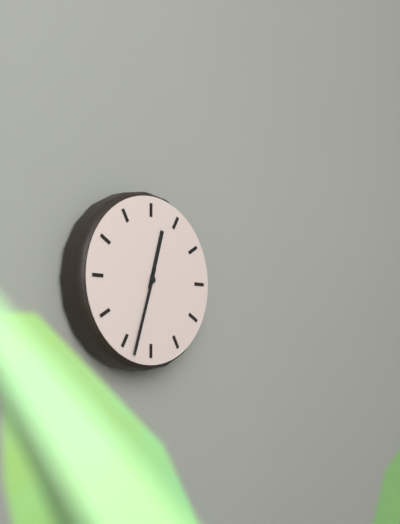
12:33
